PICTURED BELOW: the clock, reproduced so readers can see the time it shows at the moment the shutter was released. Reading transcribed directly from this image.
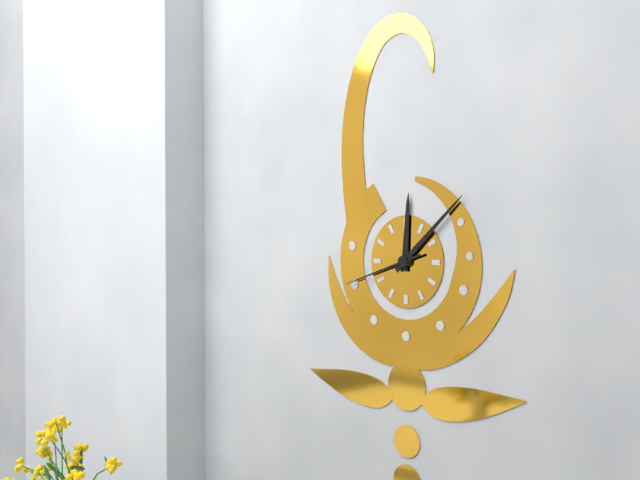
12:08:42
